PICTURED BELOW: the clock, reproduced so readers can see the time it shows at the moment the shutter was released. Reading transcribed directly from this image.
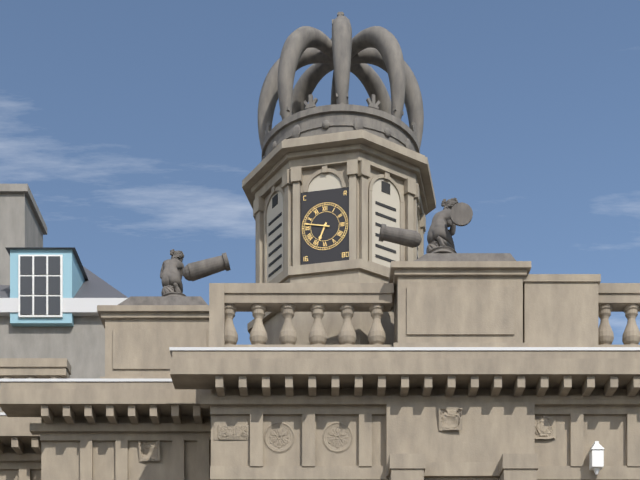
6:47
